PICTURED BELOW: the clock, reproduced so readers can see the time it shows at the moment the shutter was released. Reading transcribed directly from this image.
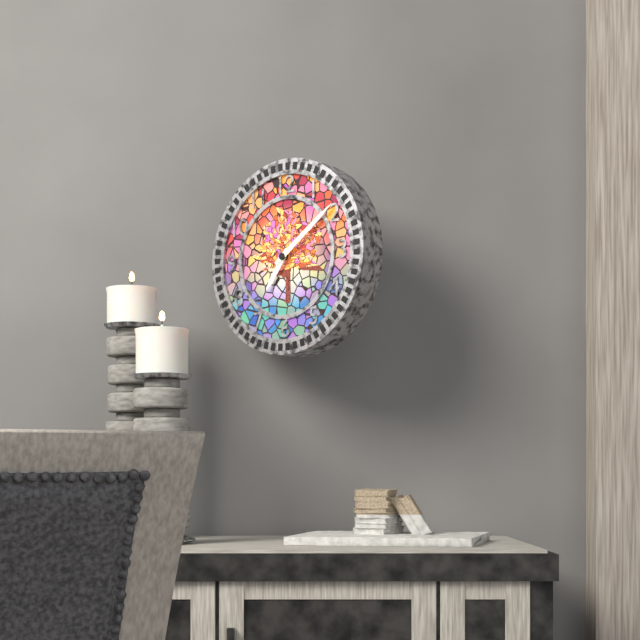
7:09
